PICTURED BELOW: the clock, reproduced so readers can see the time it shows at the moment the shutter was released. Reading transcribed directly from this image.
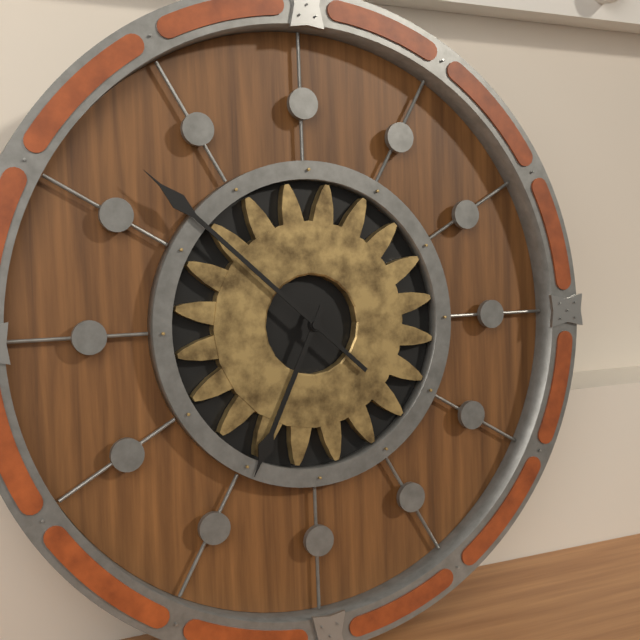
6:52
